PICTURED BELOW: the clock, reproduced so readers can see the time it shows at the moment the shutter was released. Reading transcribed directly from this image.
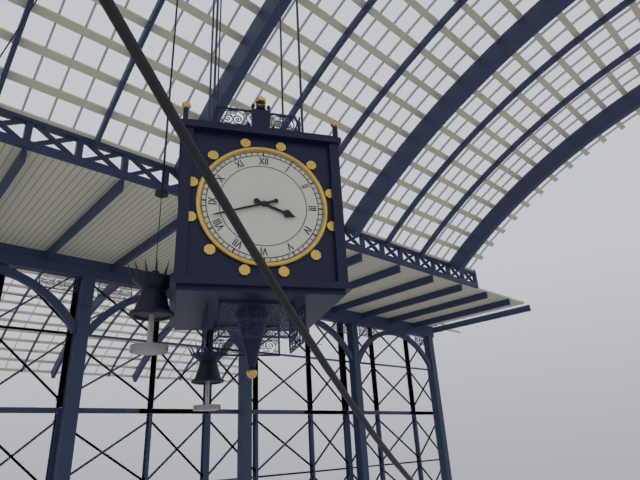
3:42
